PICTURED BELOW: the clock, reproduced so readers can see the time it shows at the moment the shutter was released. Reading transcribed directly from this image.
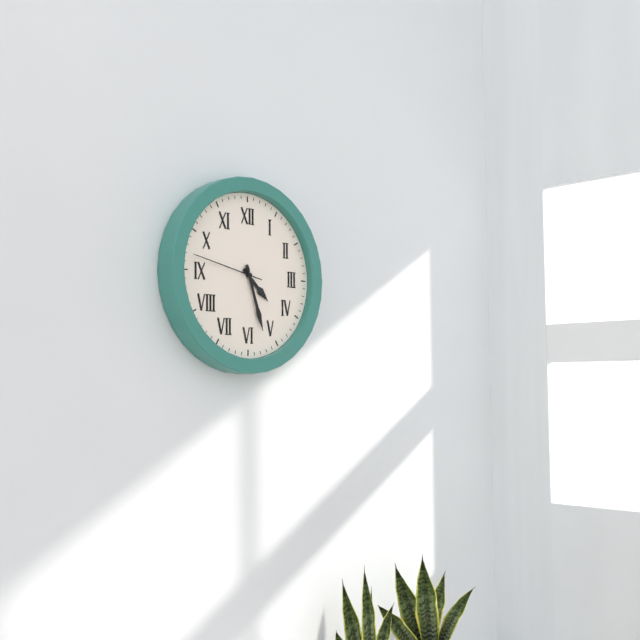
4:27:47
